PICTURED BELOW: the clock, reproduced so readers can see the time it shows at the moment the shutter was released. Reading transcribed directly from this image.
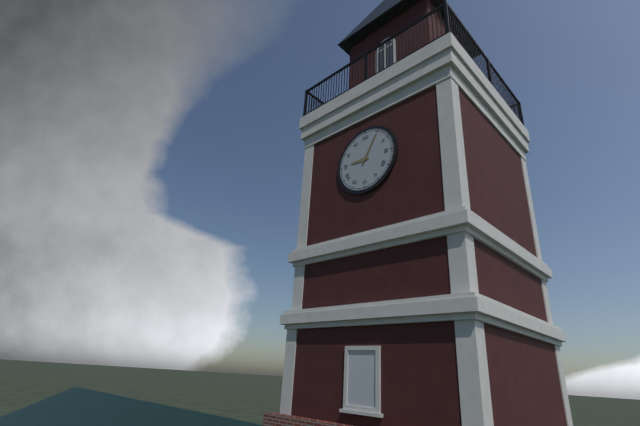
9:05
